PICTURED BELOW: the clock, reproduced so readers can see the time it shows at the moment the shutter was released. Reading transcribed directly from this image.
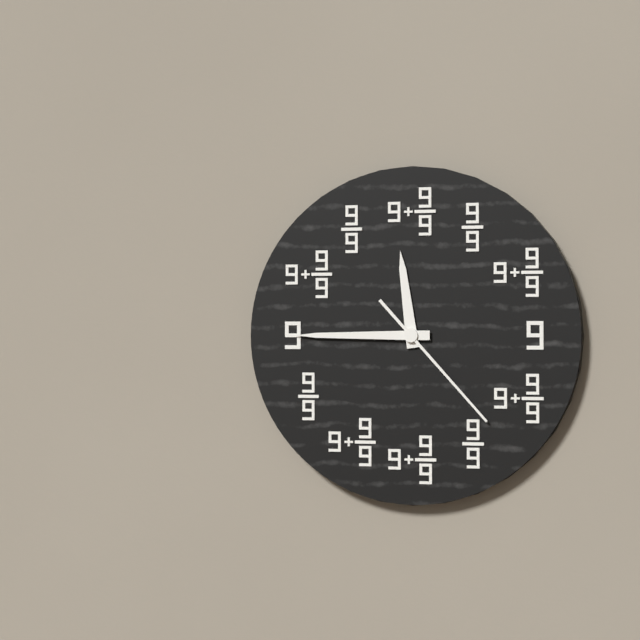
11:45:23
